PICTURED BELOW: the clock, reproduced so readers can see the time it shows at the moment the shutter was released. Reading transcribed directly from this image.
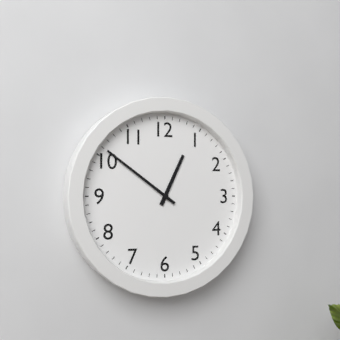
12:51
